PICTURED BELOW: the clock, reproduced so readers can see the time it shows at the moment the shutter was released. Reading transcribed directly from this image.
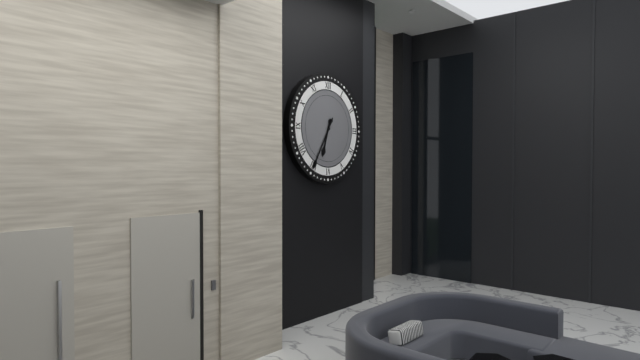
6:35
